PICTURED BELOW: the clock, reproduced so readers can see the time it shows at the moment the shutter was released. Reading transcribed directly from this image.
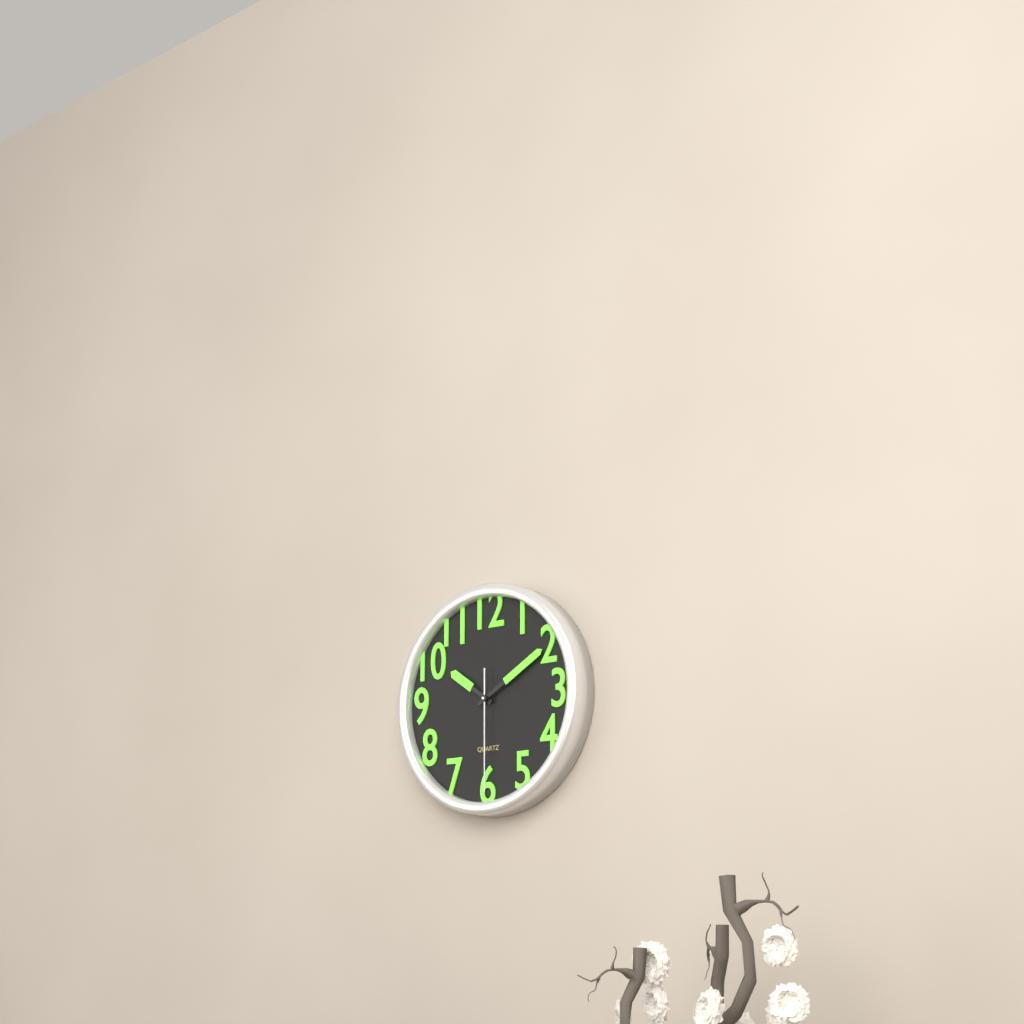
10:10:30
